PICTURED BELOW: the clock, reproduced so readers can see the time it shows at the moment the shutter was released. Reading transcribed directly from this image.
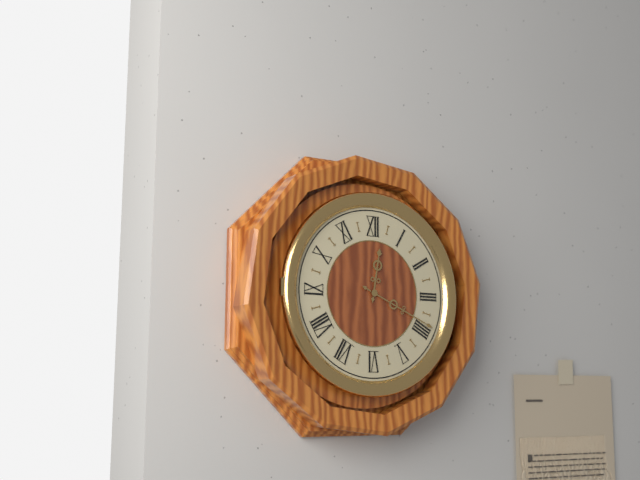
12:19
